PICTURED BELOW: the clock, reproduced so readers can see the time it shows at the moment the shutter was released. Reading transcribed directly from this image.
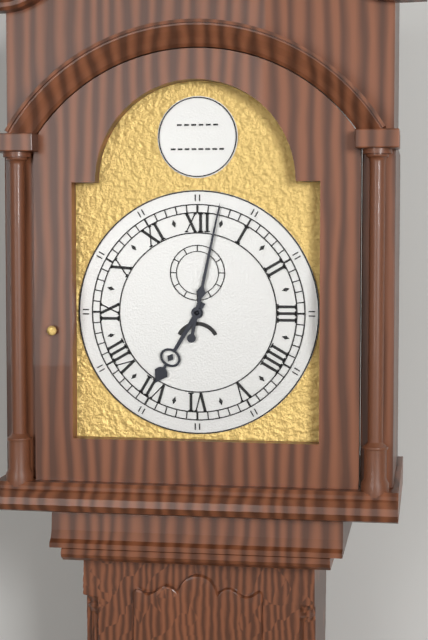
7:02
